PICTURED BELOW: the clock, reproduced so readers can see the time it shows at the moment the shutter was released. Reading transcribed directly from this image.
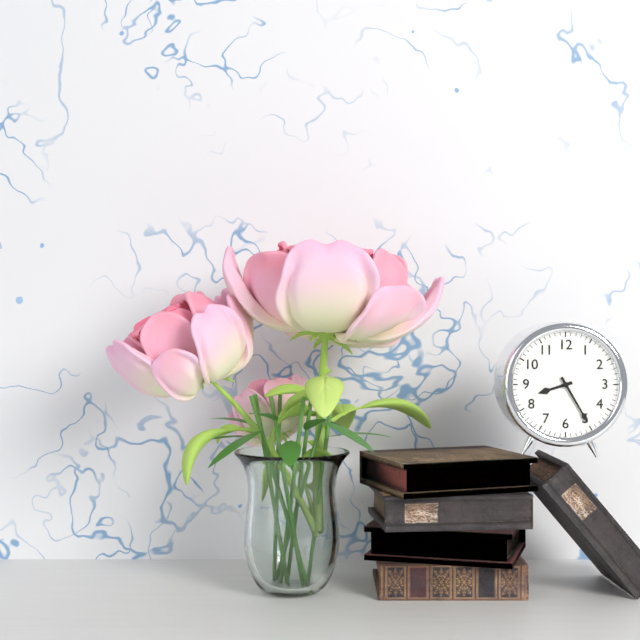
8:25
